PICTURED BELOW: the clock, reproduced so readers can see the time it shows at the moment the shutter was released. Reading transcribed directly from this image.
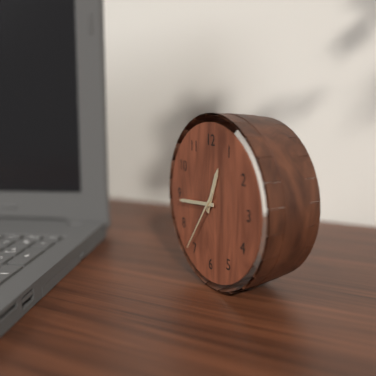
12:44:36
